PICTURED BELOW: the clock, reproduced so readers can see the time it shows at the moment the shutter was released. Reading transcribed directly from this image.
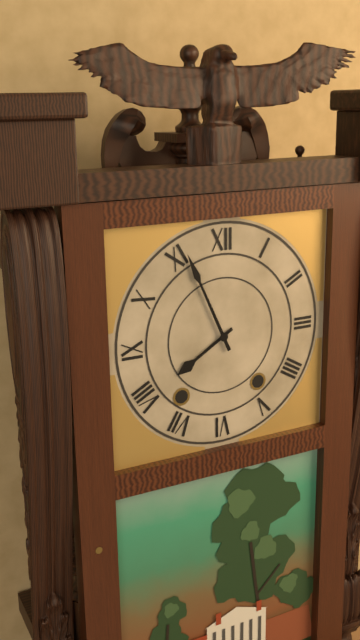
7:56
